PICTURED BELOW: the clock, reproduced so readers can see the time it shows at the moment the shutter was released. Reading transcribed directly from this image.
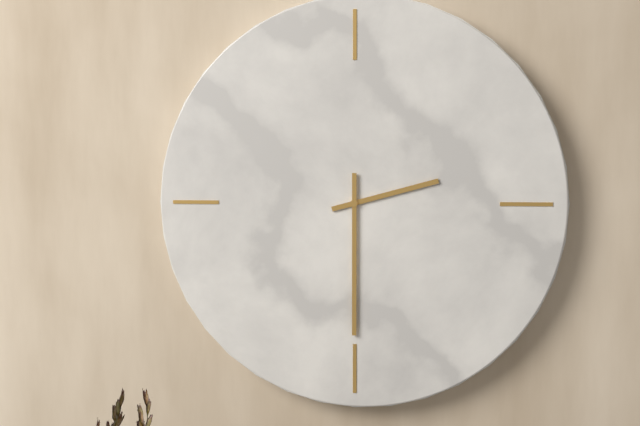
2:30
